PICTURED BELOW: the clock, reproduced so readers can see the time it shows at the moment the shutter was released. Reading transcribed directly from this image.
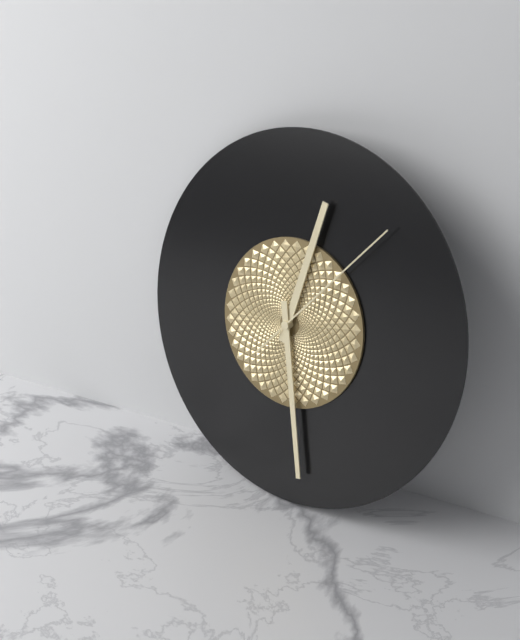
12:28:07
